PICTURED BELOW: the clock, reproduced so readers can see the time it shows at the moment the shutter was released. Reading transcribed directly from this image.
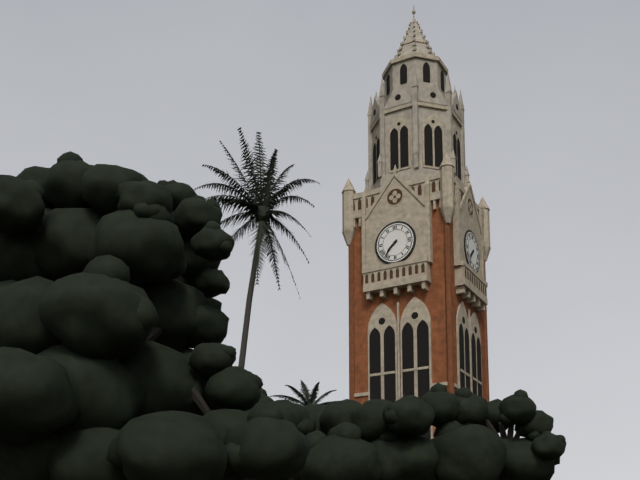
7:37
